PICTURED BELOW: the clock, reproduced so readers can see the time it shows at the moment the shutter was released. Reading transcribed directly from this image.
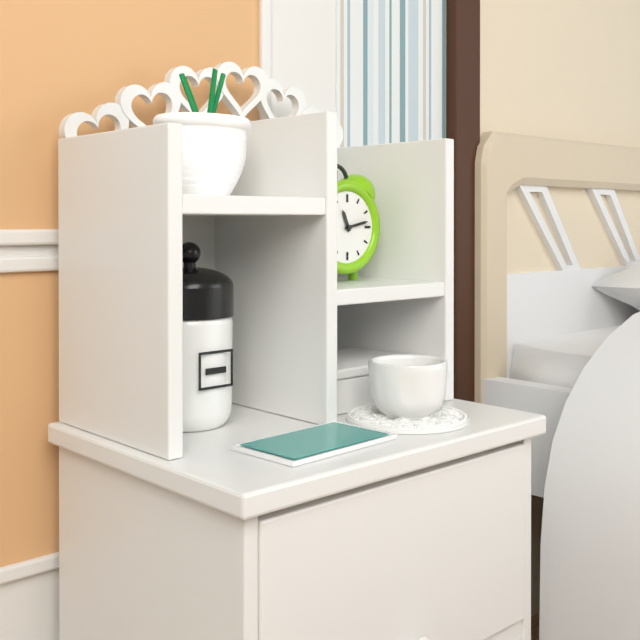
11:13
